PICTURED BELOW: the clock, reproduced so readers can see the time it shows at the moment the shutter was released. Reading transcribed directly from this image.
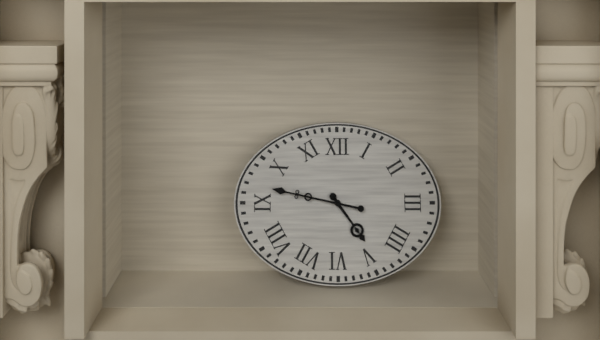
4:47
